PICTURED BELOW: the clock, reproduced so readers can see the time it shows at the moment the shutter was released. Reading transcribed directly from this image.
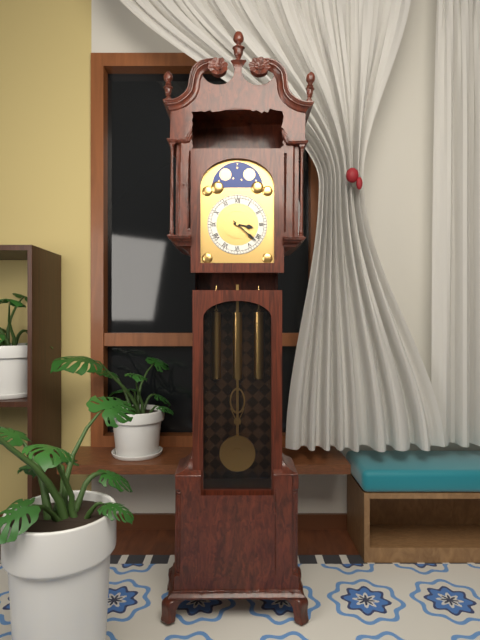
3:22
